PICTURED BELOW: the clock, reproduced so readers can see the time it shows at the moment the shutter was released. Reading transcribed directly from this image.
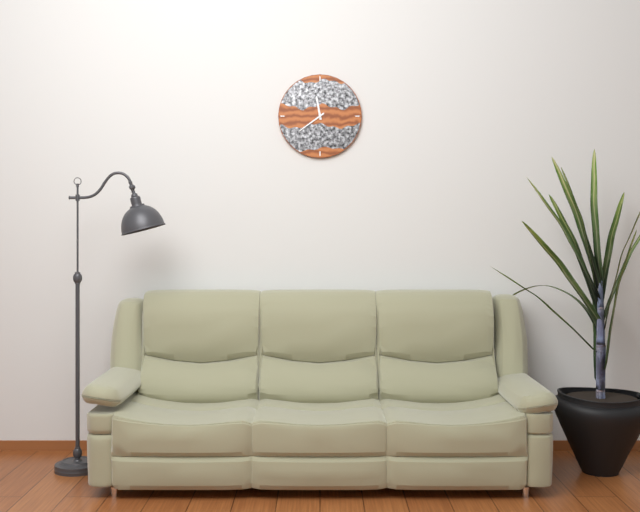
11:39
